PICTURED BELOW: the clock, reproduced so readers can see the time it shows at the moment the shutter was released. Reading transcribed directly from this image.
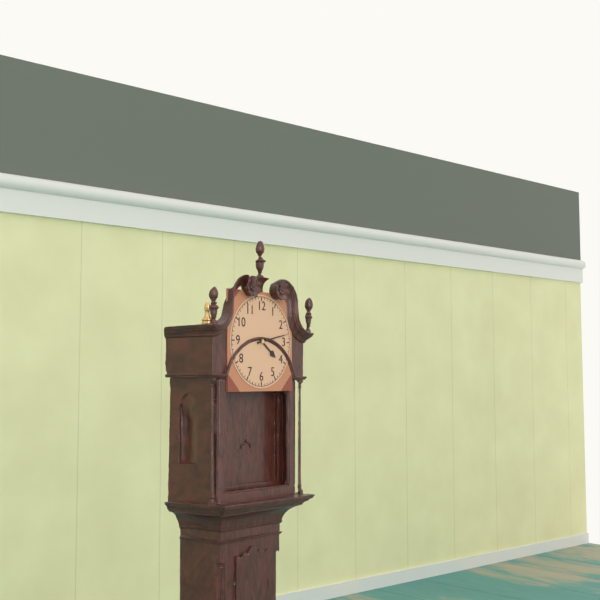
4:13
